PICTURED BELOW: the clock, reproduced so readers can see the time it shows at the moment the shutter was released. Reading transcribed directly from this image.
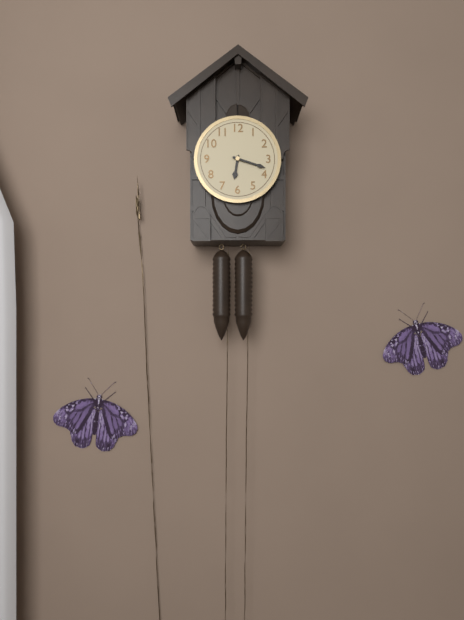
6:18
